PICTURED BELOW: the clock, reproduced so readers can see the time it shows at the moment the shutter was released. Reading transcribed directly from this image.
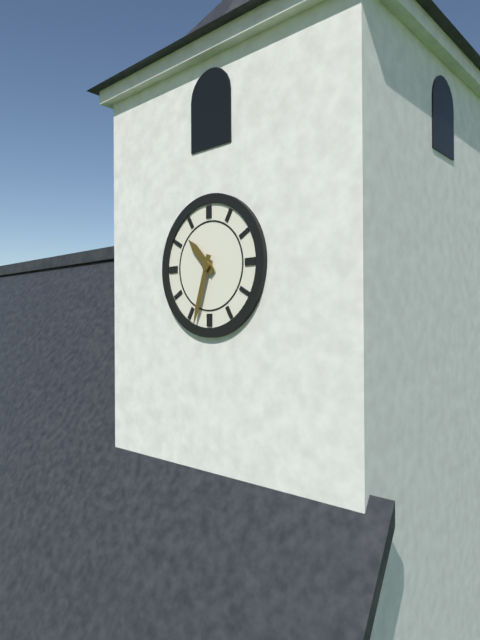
10:33
